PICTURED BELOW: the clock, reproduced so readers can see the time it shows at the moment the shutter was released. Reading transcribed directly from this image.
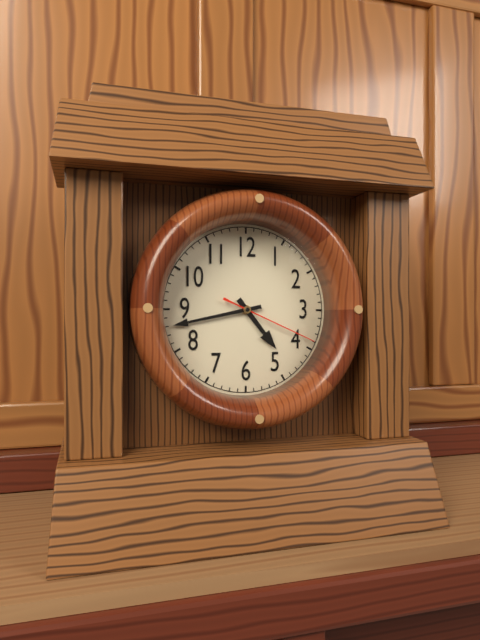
4:43:19
